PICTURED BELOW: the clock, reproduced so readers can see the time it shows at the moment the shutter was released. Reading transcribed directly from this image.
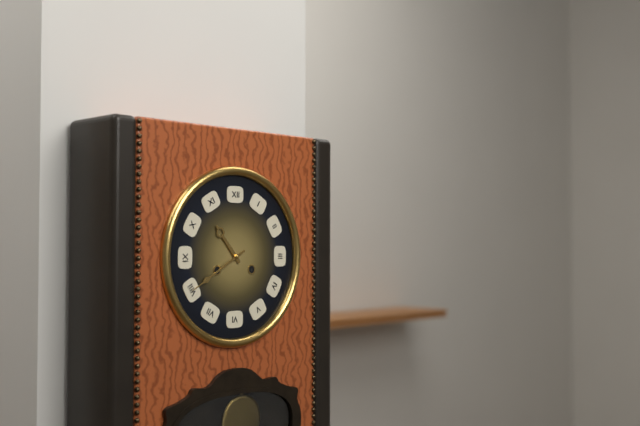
10:40
